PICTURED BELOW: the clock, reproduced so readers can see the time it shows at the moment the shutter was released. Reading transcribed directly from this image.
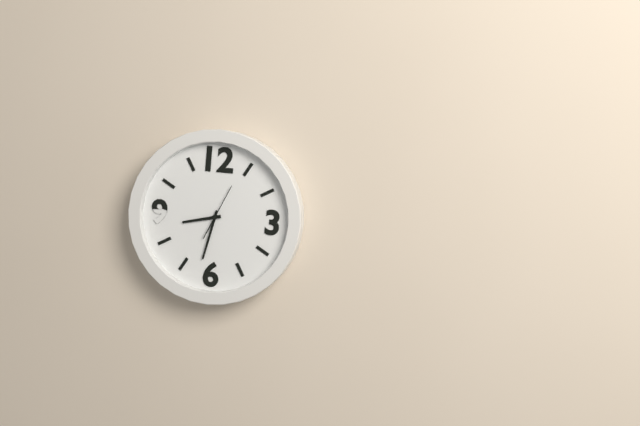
8:32
